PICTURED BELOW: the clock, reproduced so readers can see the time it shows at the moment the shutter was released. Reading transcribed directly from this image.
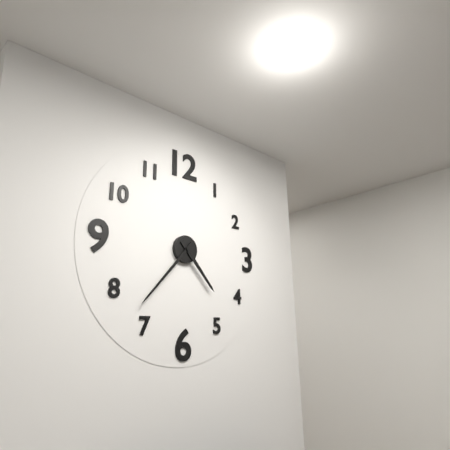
4:37
